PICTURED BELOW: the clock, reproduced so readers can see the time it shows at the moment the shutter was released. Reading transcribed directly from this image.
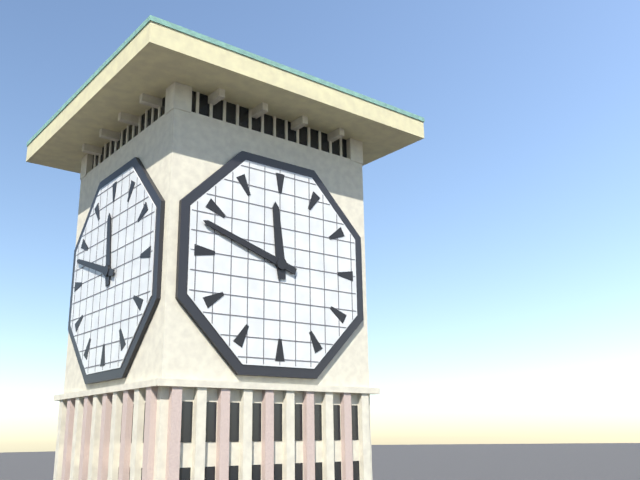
11:48
